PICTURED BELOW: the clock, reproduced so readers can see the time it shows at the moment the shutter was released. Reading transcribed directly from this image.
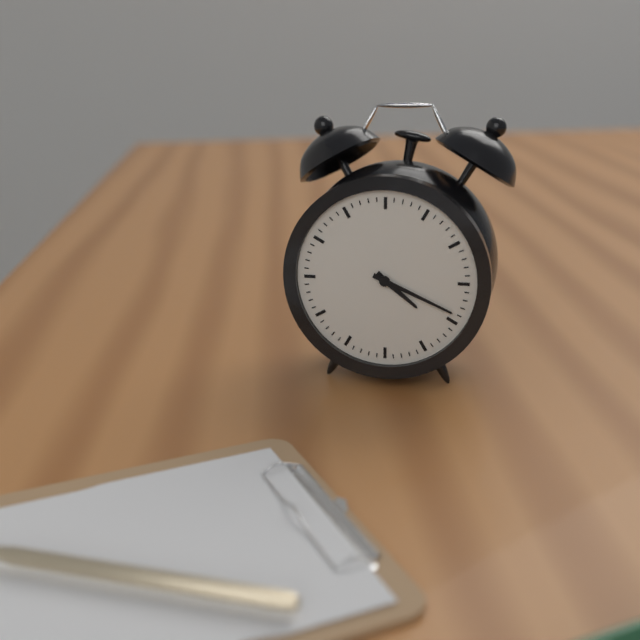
4:19
